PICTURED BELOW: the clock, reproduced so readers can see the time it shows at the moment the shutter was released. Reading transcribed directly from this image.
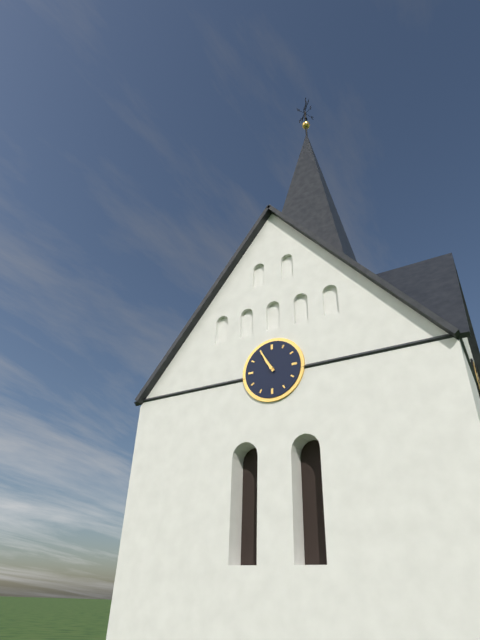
10:55
